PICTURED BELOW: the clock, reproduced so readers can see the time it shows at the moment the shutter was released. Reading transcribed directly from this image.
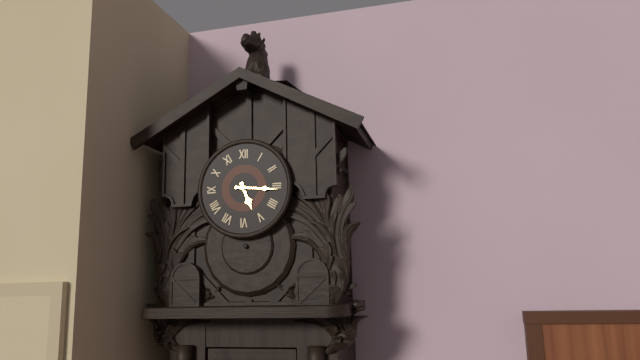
5:16
